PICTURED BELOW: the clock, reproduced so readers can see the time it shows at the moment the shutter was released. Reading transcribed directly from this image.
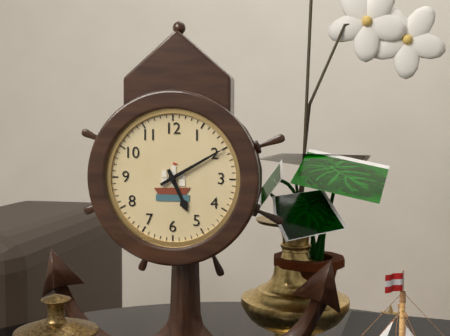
5:10
